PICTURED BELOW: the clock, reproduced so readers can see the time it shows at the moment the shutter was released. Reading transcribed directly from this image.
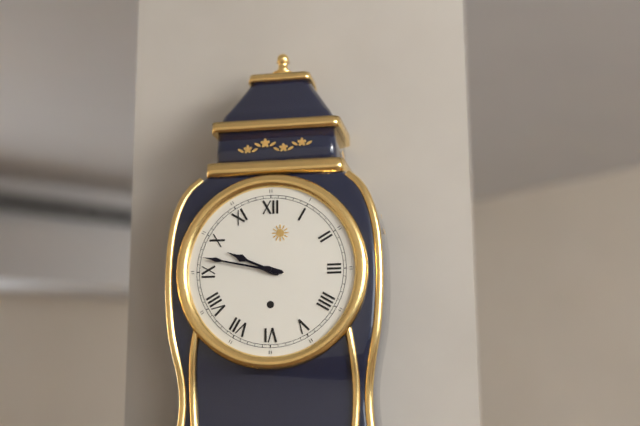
9:47
